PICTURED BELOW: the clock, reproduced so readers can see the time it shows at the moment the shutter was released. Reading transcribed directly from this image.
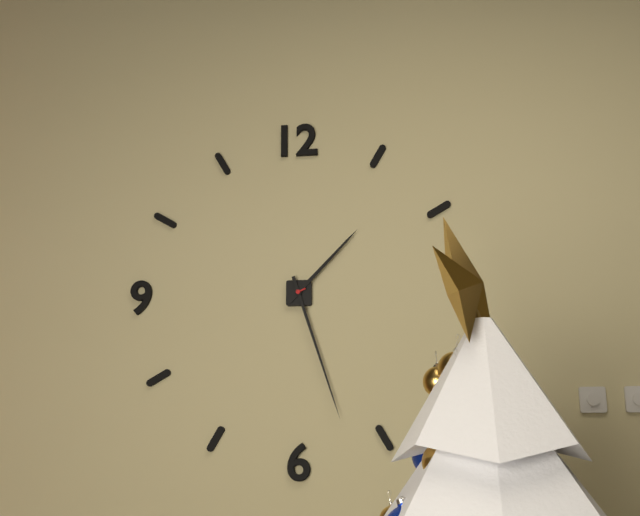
1:27
